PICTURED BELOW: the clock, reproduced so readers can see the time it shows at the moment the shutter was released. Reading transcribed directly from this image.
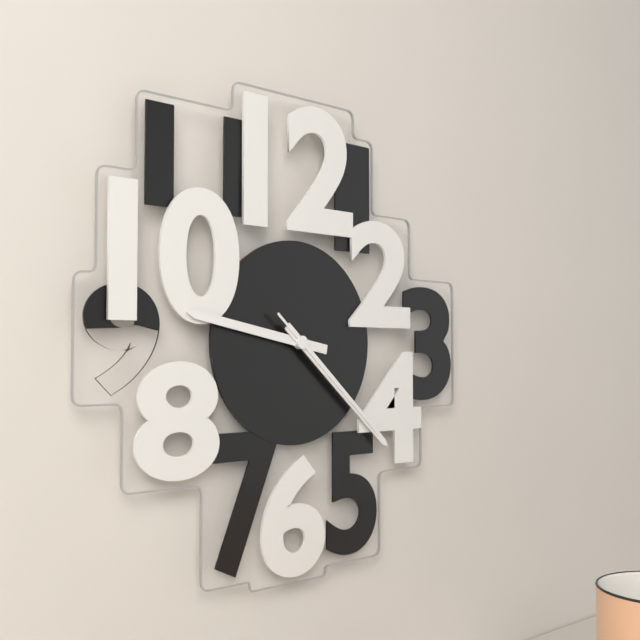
9:22:22
